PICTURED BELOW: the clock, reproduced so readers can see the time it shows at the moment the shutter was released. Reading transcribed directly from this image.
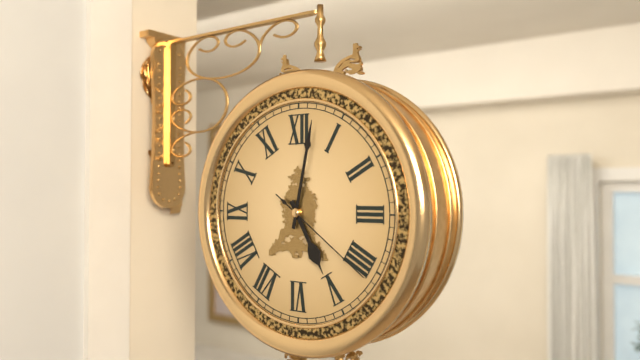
5:02:21
